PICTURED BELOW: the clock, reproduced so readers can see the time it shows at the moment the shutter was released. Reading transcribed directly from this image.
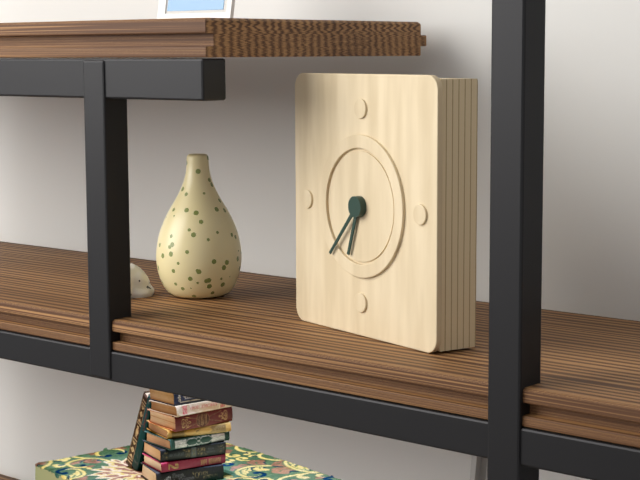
6:37
